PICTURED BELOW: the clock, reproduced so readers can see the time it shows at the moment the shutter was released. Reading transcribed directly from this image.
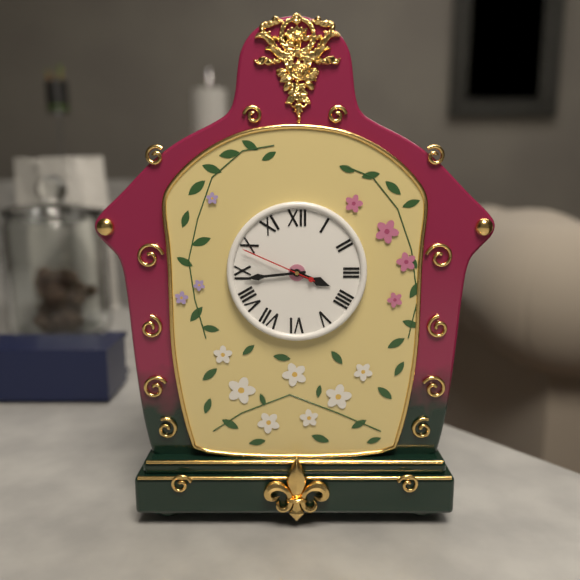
3:44:49
